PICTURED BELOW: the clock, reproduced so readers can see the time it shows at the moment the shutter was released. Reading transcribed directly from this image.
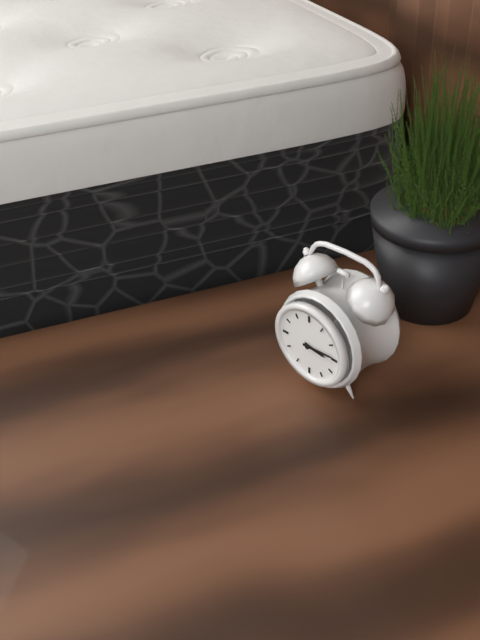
3:14
